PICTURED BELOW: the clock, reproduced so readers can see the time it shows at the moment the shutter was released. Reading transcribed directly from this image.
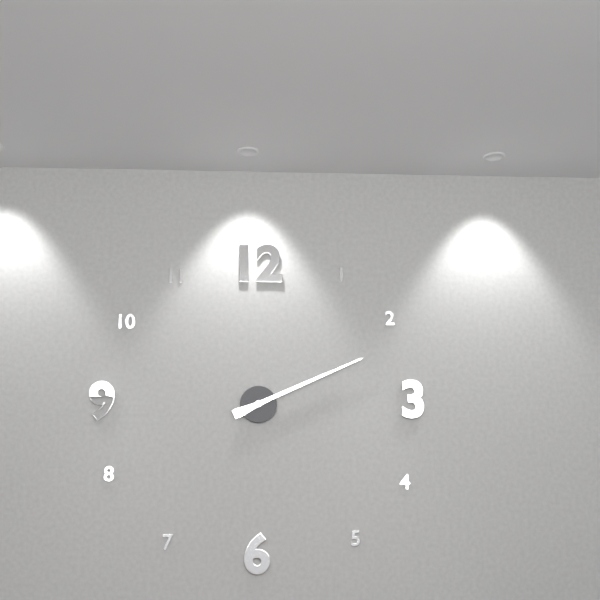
2:11
